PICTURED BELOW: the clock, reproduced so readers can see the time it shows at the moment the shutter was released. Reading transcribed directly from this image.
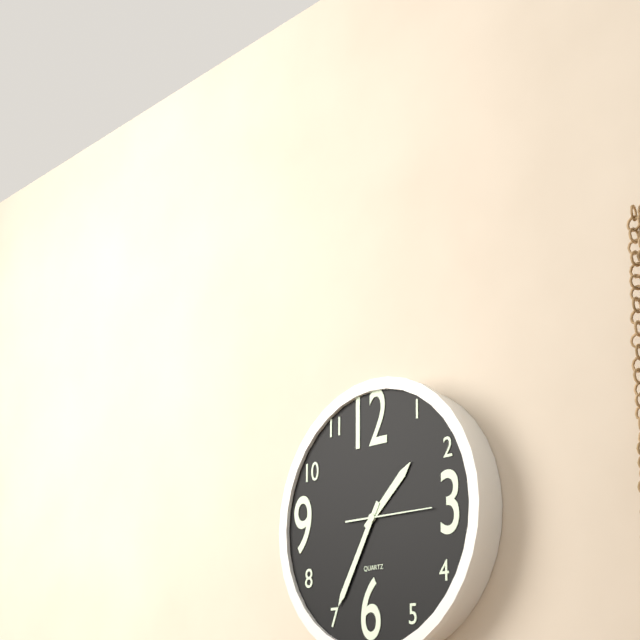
1:35:15
